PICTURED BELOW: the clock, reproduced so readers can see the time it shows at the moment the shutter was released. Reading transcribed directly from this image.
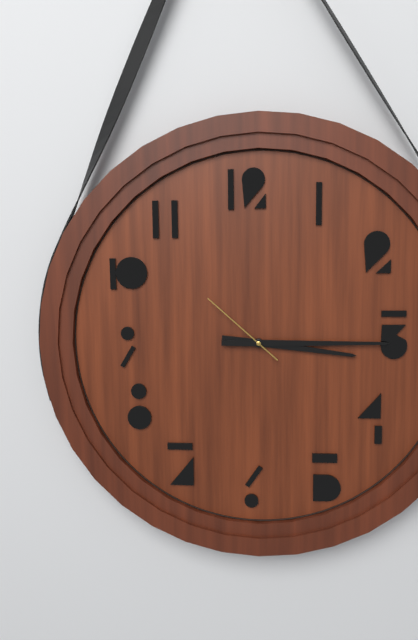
3:15:52
